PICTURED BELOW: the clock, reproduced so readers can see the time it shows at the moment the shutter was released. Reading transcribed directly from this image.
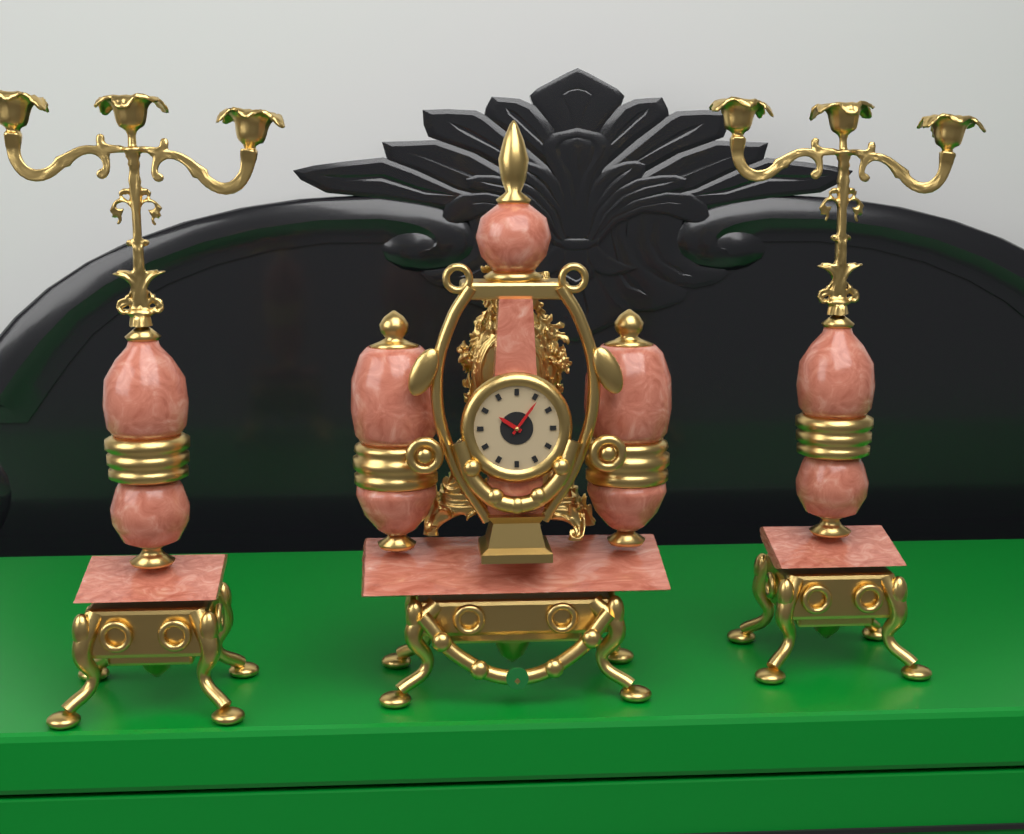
10:06
